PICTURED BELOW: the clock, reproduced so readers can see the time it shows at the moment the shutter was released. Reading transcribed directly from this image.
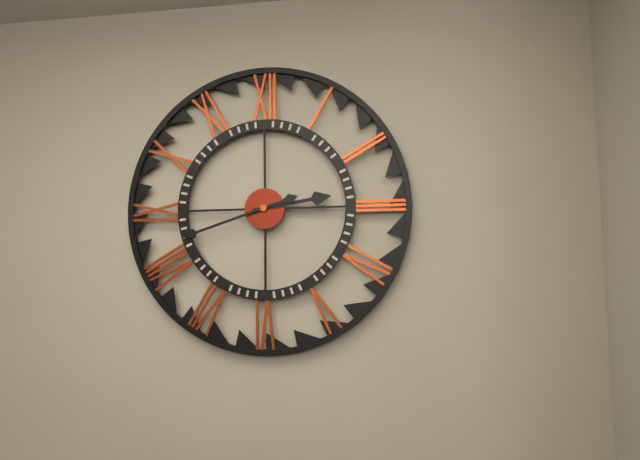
2:42
